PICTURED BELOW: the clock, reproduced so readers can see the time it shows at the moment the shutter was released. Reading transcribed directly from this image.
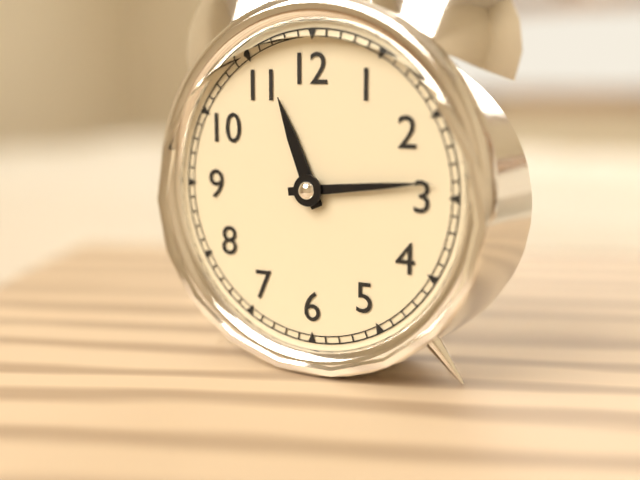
11:14
